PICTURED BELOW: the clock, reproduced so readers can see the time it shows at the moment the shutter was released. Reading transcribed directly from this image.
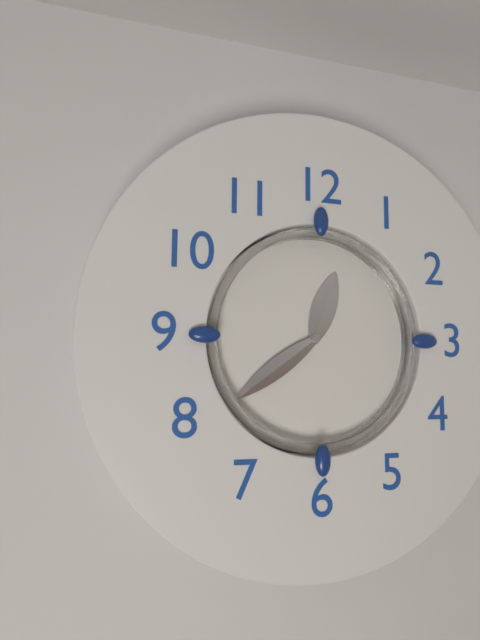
12:39
